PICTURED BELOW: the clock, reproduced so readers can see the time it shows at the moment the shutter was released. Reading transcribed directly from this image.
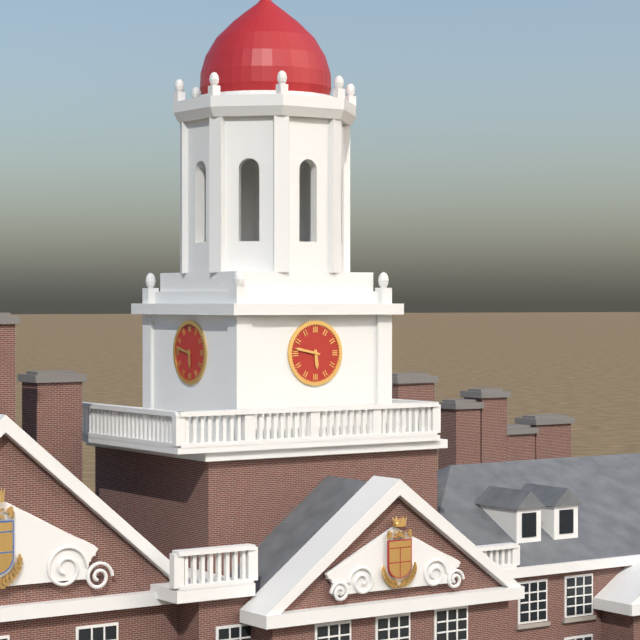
5:47
